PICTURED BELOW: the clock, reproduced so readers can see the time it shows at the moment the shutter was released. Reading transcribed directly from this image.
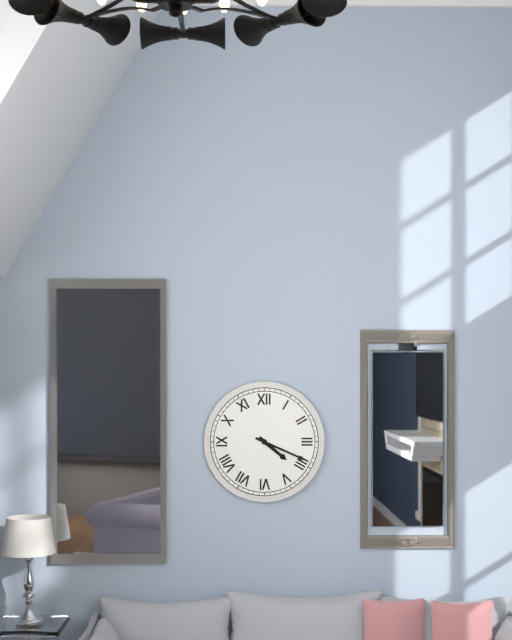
4:19
